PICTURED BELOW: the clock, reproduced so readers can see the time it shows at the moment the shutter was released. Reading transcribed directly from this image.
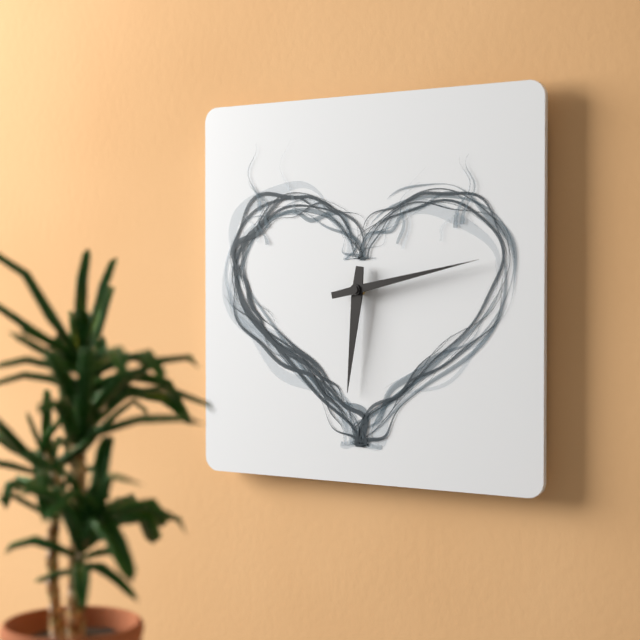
6:13
